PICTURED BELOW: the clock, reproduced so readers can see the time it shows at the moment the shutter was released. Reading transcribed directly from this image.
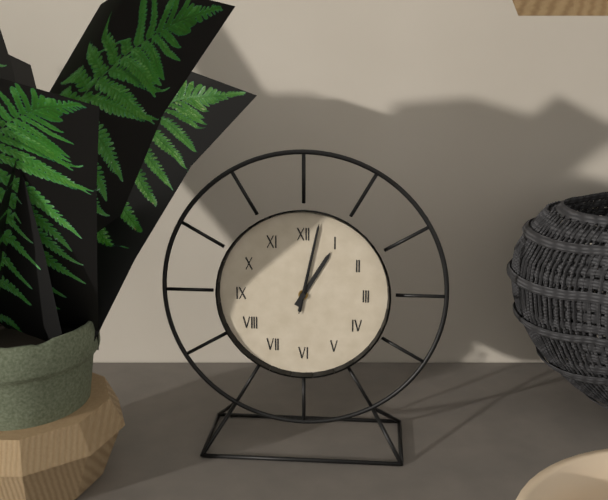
1:02:02
